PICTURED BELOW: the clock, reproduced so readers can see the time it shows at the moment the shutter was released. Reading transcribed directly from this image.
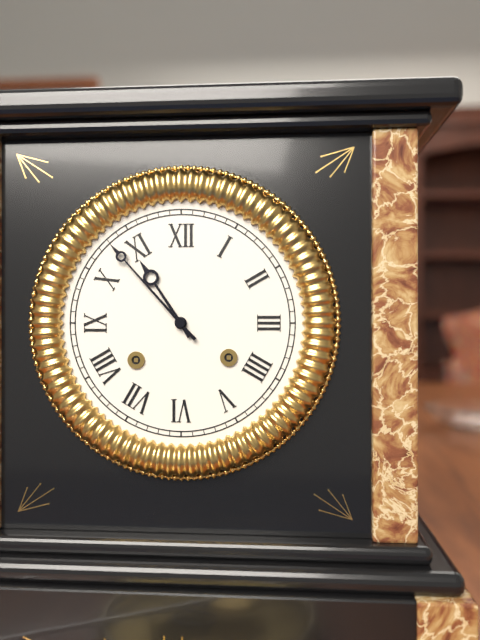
10:53
